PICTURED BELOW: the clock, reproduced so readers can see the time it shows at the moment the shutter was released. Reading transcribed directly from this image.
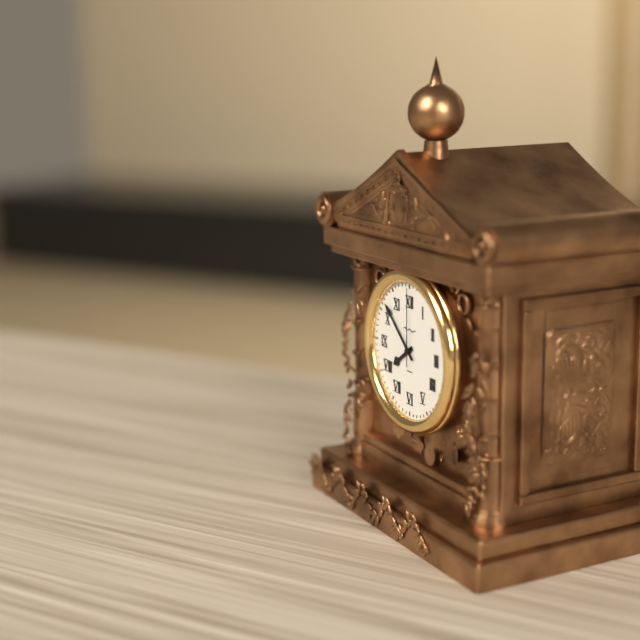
7:52:00
